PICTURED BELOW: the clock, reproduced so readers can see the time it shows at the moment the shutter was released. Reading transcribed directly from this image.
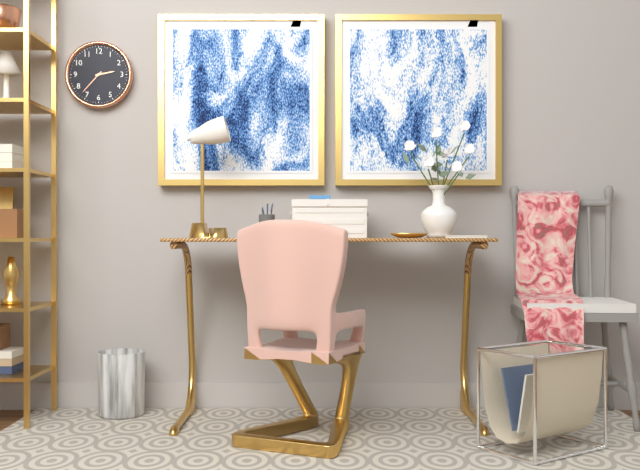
2:37
